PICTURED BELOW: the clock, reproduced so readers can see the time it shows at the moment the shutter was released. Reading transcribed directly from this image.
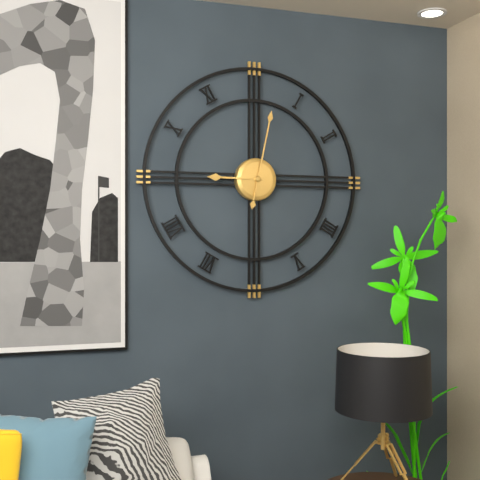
9:02
